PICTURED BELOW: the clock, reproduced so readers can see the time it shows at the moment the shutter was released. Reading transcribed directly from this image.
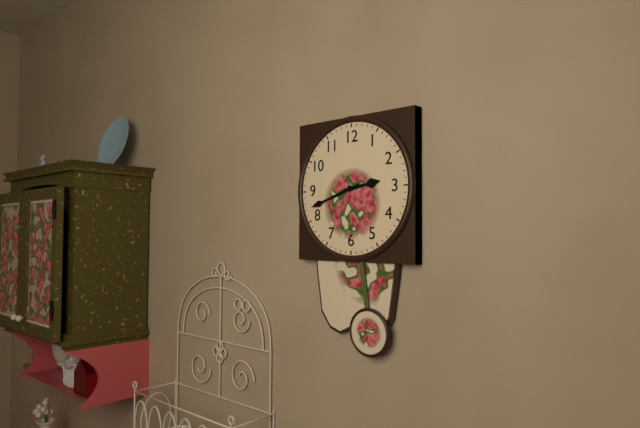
2:42
